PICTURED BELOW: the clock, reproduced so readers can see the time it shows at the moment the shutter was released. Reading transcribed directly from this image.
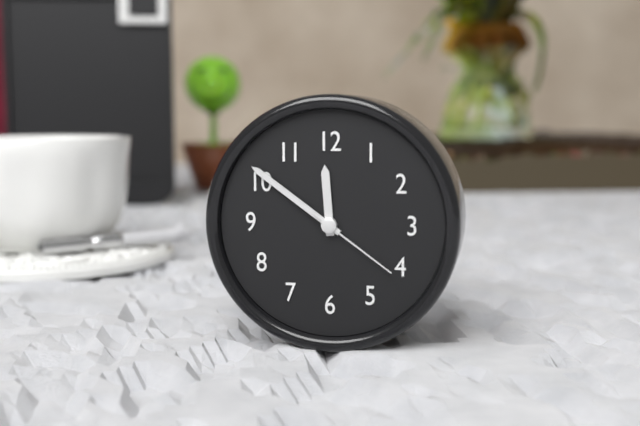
11:51:21
